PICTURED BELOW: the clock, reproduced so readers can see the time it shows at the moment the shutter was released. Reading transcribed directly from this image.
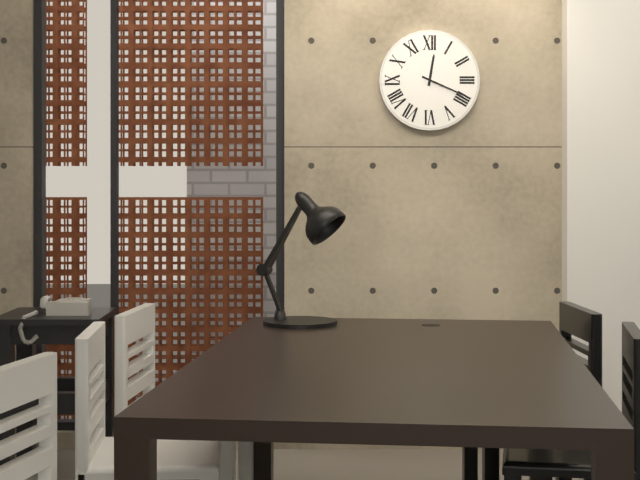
12:19
